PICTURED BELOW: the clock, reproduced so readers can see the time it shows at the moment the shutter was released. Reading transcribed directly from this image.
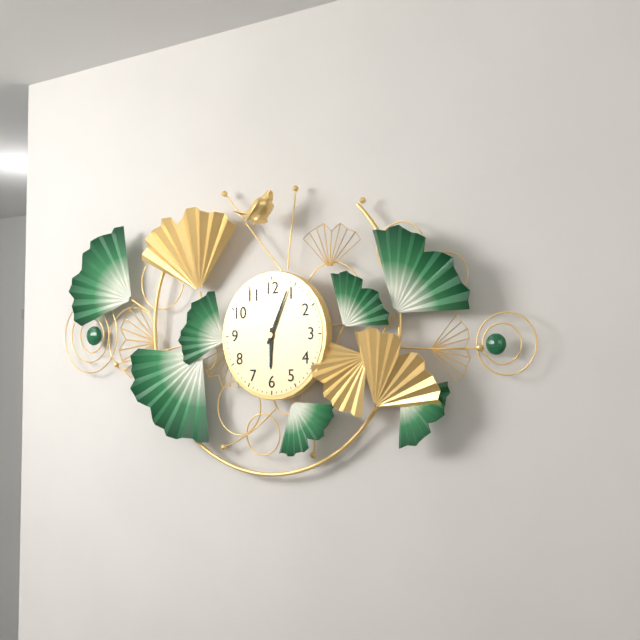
6:04
